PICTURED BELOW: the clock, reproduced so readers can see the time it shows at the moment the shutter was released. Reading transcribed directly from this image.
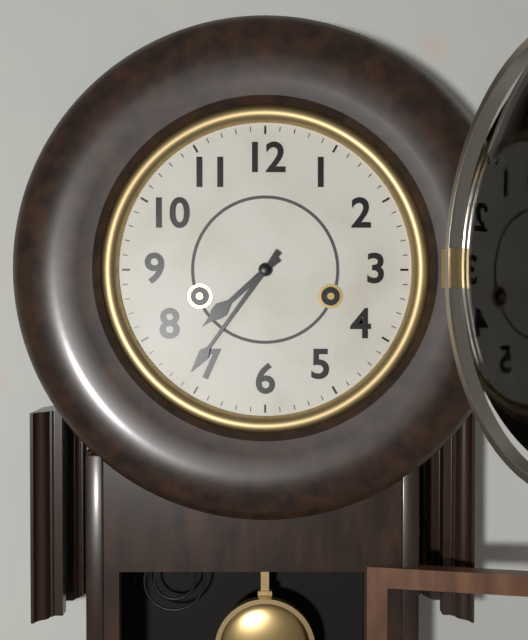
7:36
